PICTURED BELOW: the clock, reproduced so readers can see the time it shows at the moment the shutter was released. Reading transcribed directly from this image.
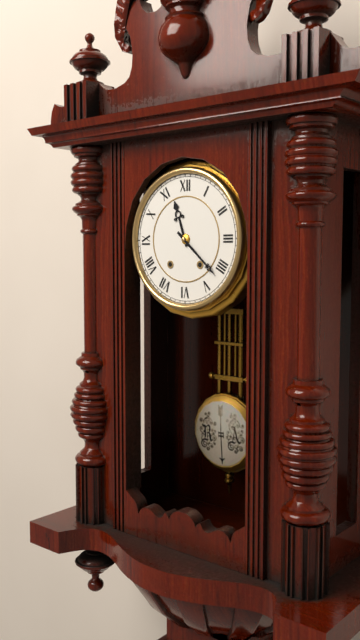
11:22
